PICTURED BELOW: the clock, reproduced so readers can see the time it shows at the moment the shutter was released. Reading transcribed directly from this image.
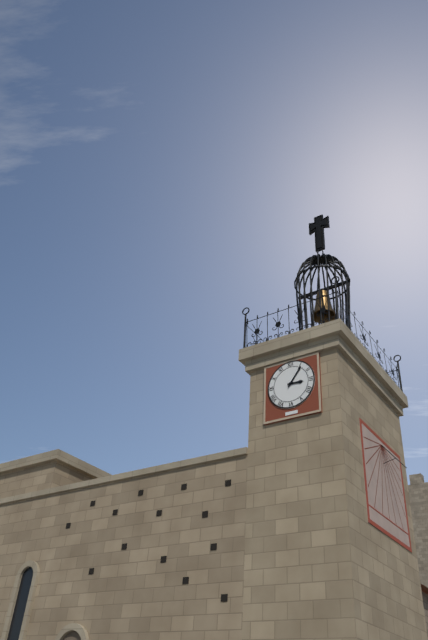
3:06
